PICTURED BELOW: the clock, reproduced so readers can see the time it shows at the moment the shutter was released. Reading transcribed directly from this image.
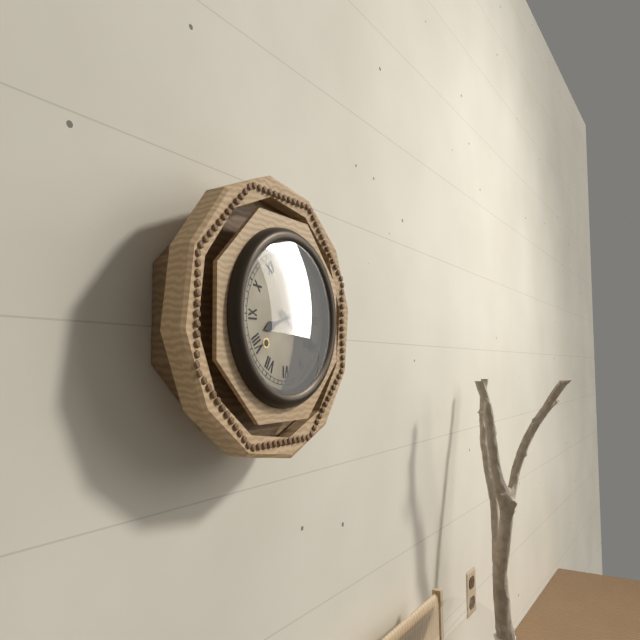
8:20
